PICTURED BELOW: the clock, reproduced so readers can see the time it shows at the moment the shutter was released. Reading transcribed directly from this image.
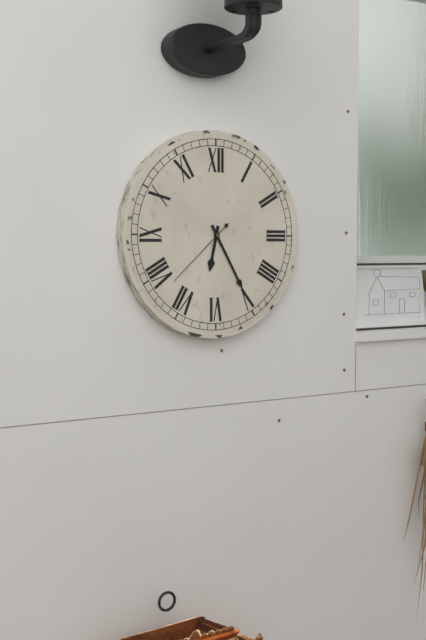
6:25:38
